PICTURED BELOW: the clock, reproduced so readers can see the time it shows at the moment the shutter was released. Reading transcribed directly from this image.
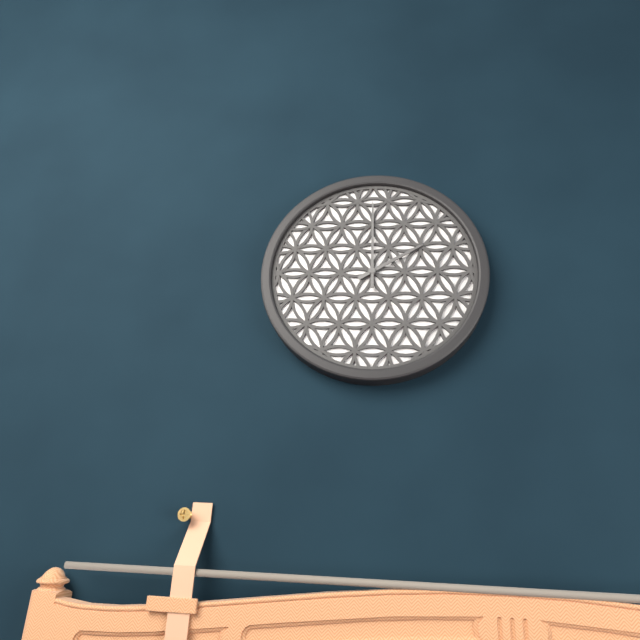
2:00
